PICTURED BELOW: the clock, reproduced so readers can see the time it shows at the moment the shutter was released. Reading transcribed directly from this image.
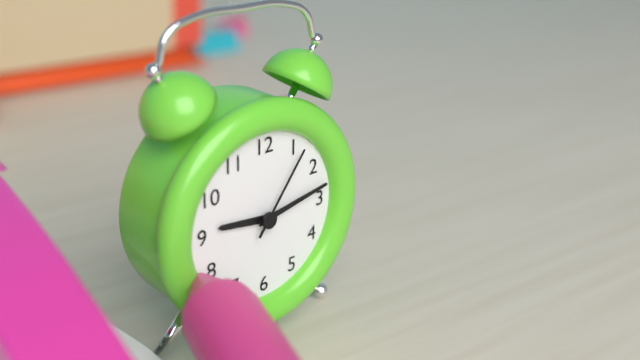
9:13:06
